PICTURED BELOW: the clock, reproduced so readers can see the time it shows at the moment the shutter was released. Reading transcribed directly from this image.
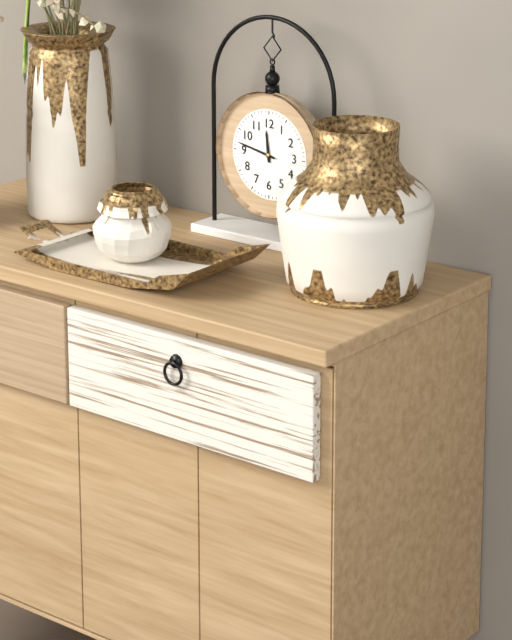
11:47
